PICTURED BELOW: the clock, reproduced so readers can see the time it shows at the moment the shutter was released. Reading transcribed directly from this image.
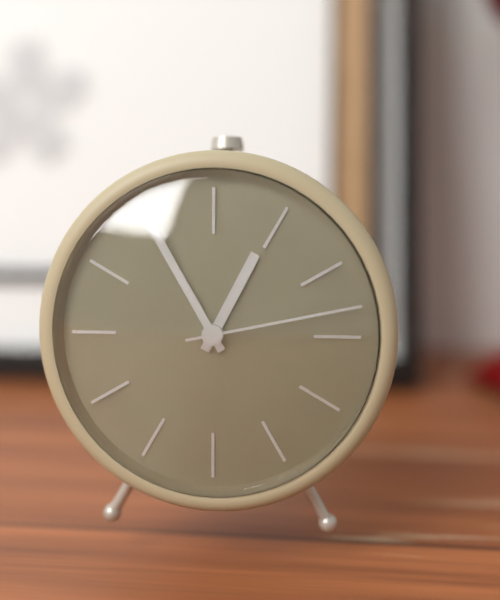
12:55:13
